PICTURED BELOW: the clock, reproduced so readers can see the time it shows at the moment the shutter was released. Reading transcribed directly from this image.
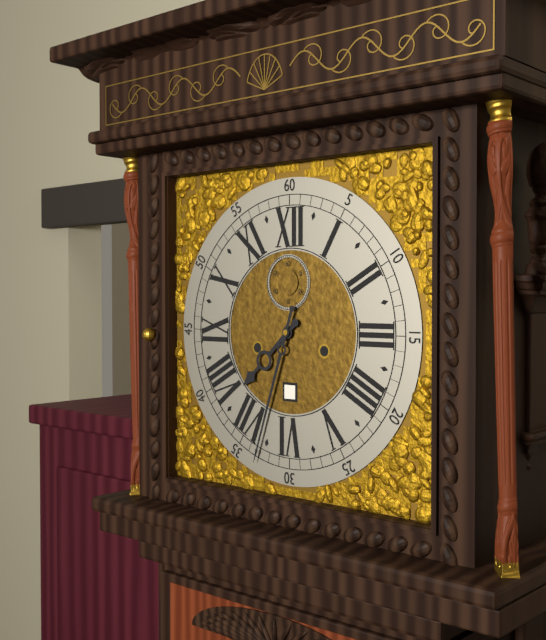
7:33
